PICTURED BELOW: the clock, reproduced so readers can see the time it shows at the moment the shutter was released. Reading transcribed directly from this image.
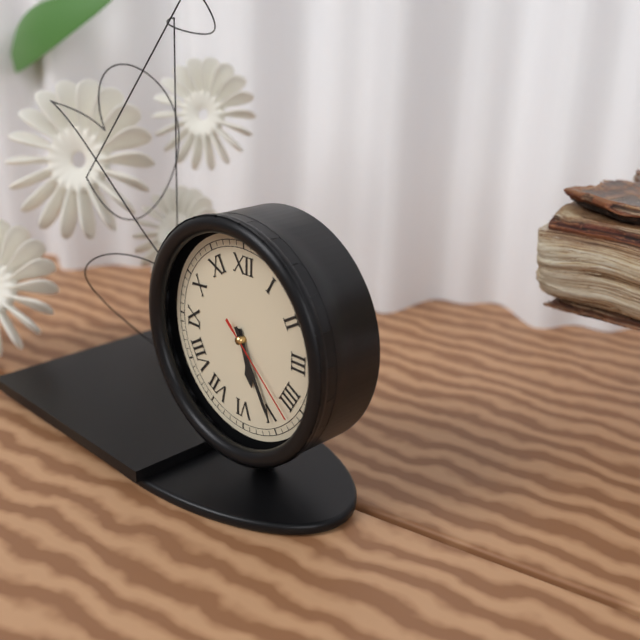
5:25:22
